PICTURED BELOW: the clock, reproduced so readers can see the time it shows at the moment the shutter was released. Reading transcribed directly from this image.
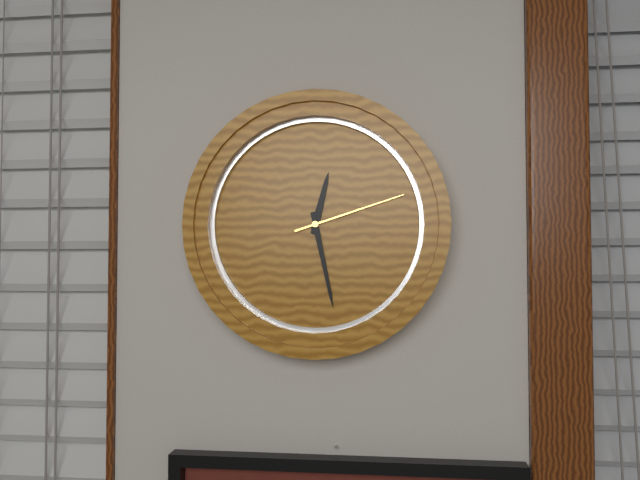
12:28:12
